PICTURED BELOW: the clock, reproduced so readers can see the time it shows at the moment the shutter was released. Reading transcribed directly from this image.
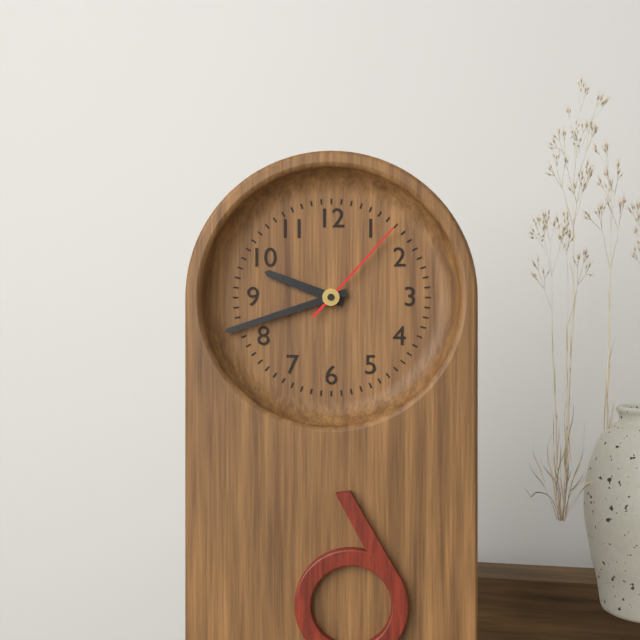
9:42:07
